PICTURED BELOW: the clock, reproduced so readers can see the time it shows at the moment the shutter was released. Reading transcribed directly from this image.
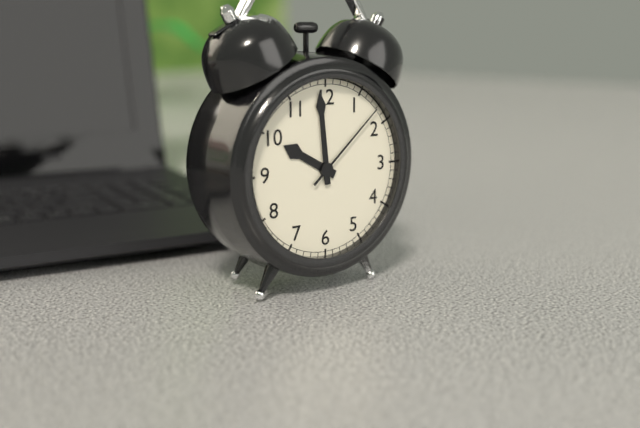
9:59:08
